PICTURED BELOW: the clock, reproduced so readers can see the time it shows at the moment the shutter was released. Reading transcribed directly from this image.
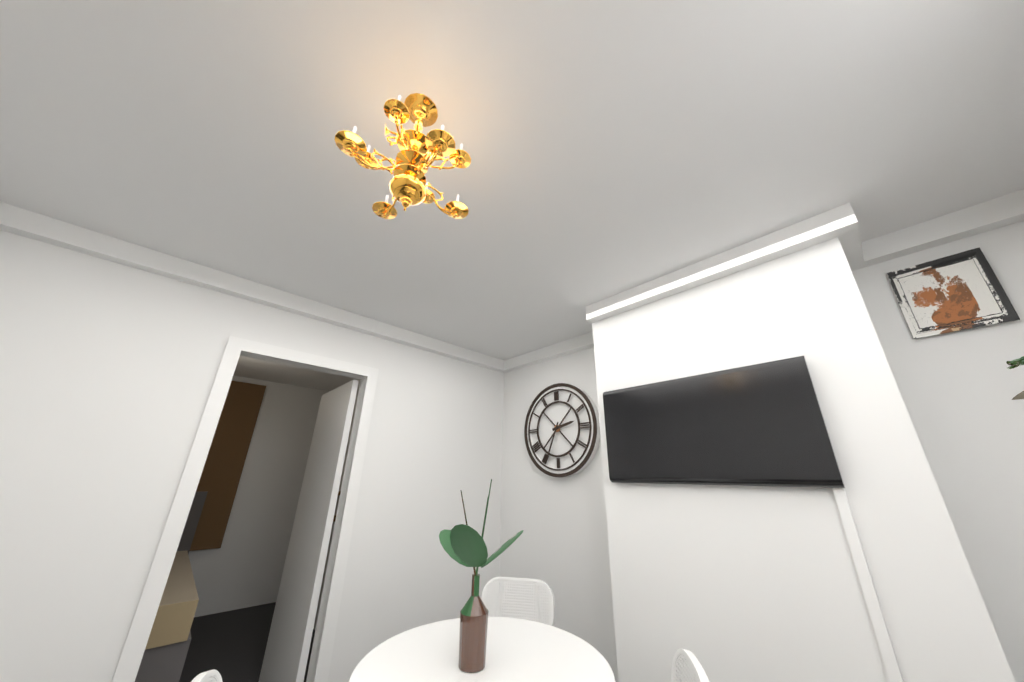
2:34
